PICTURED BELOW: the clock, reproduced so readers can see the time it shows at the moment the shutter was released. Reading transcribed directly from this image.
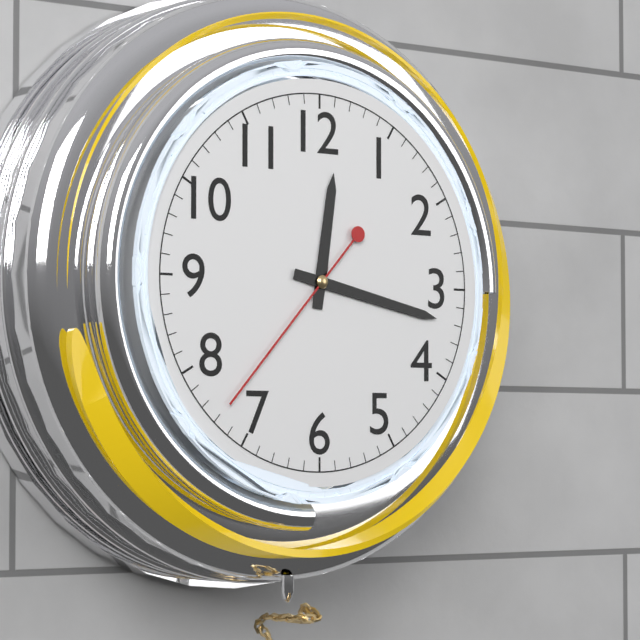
12:17:37
